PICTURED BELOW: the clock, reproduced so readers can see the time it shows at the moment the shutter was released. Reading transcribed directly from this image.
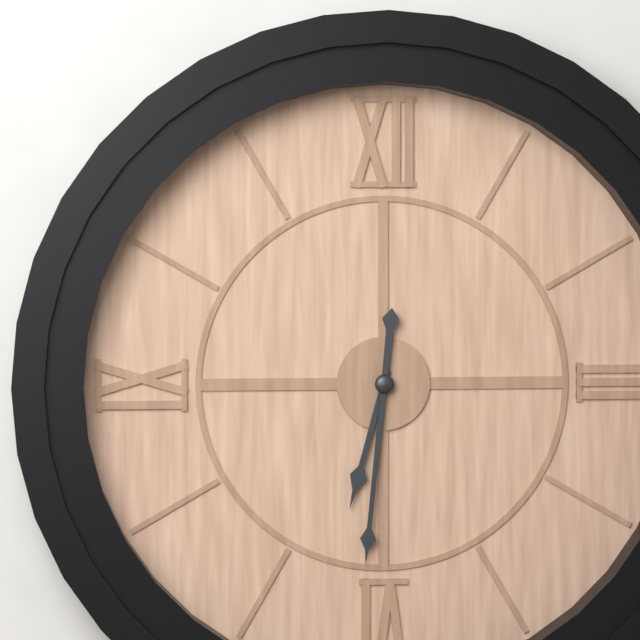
6:31
